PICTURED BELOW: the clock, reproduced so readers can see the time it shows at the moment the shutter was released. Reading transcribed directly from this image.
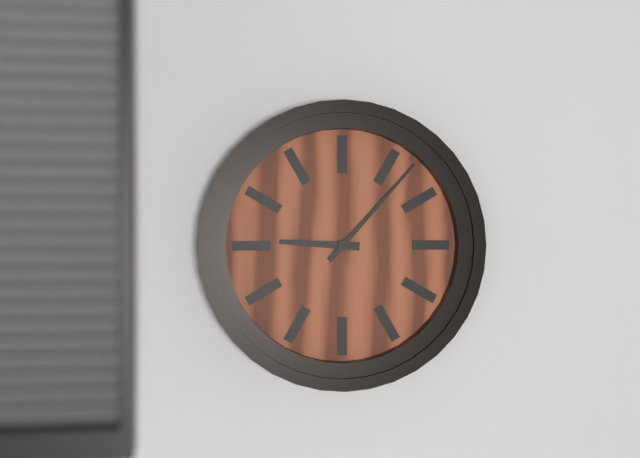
9:07
